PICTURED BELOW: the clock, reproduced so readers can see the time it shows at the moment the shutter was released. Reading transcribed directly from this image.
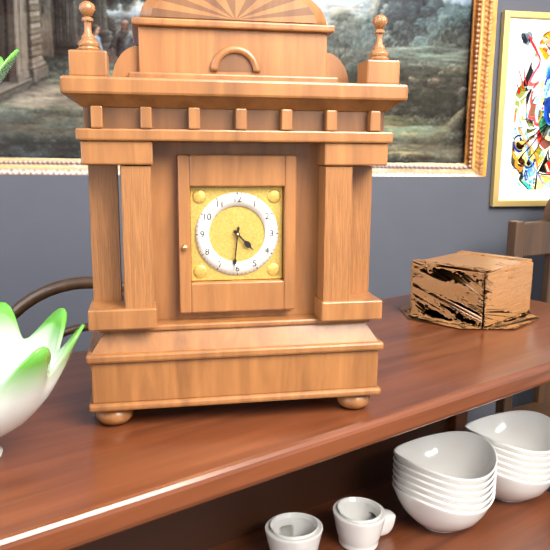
4:31
